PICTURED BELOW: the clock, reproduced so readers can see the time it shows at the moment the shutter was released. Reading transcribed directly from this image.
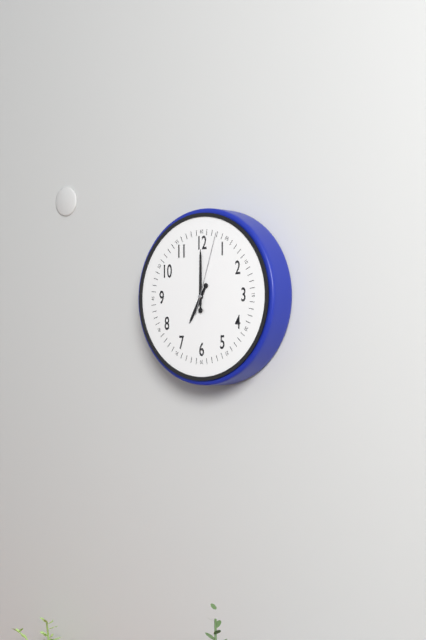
7:00:03
